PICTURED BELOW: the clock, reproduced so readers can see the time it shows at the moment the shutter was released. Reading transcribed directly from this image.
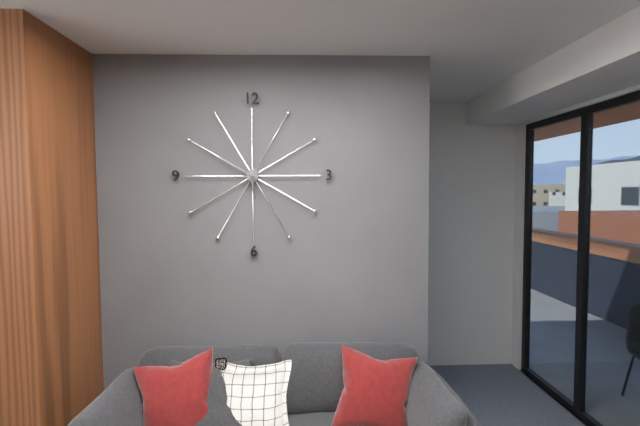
5:50
